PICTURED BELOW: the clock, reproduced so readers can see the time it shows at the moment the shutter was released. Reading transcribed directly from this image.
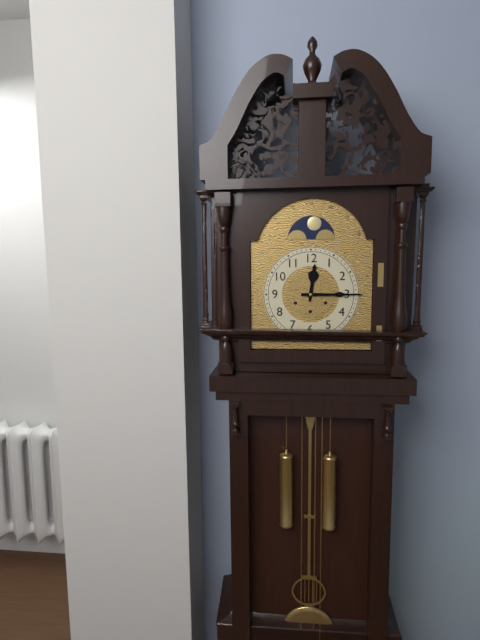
12:15
